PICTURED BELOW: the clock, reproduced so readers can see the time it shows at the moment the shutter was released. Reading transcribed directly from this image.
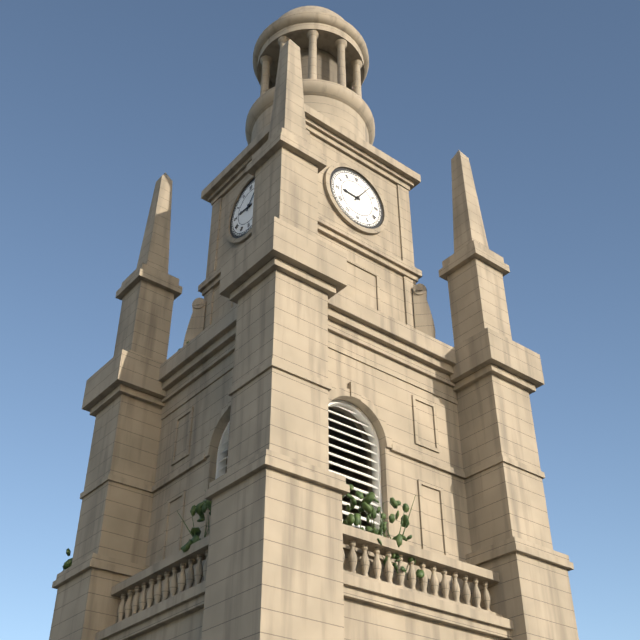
9:06
